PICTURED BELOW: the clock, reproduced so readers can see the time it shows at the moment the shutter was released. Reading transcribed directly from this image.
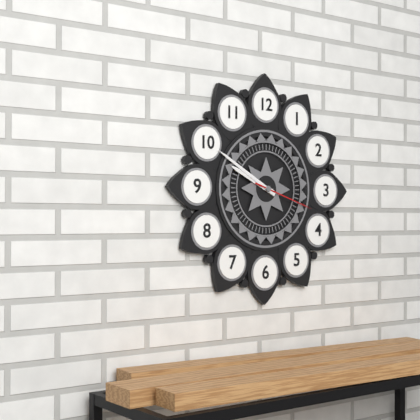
9:50:18
